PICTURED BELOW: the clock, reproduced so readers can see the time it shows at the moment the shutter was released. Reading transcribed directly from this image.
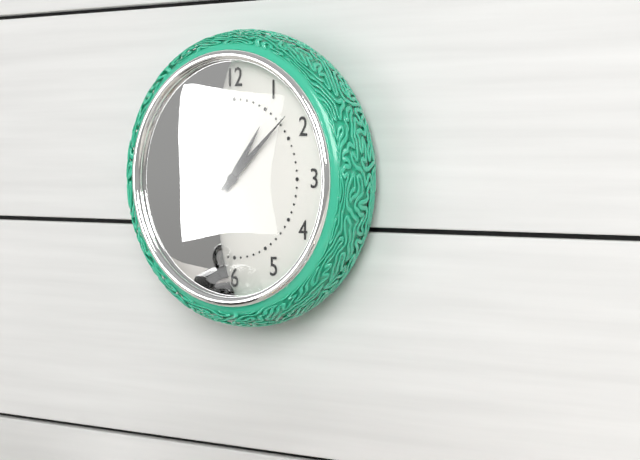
1:08
